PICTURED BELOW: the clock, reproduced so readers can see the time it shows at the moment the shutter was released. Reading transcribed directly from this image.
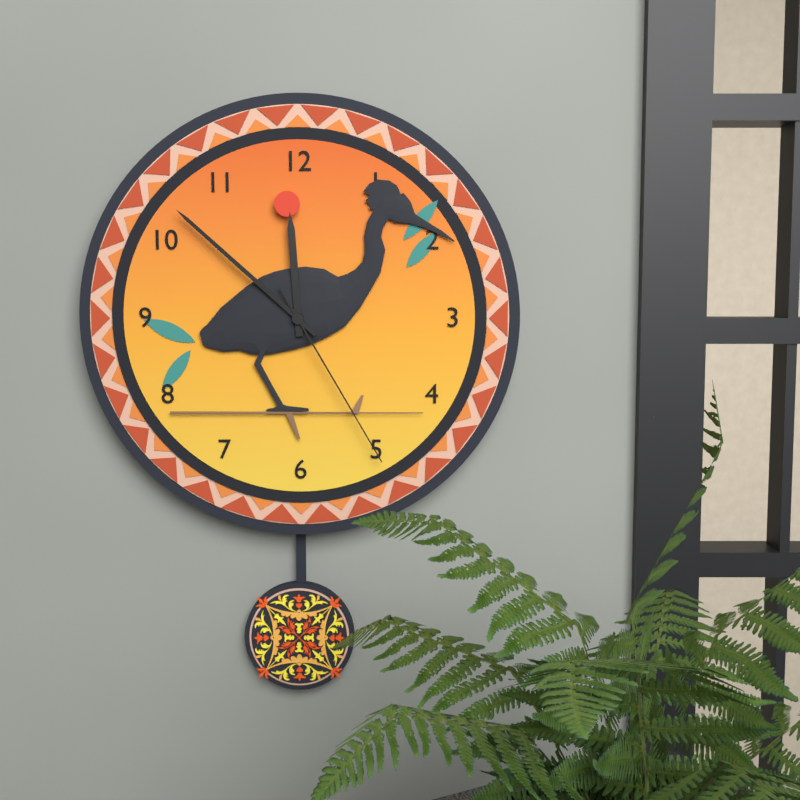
11:52:25
